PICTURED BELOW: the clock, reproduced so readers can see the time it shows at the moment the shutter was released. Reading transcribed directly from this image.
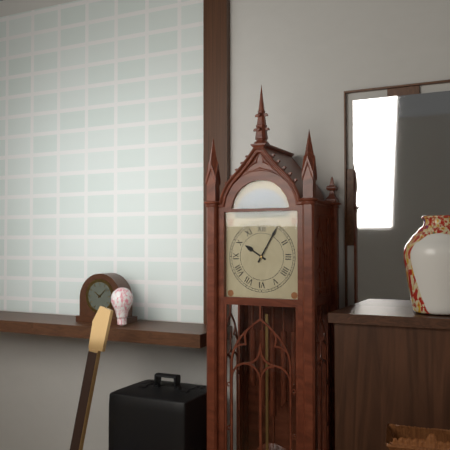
10:05
